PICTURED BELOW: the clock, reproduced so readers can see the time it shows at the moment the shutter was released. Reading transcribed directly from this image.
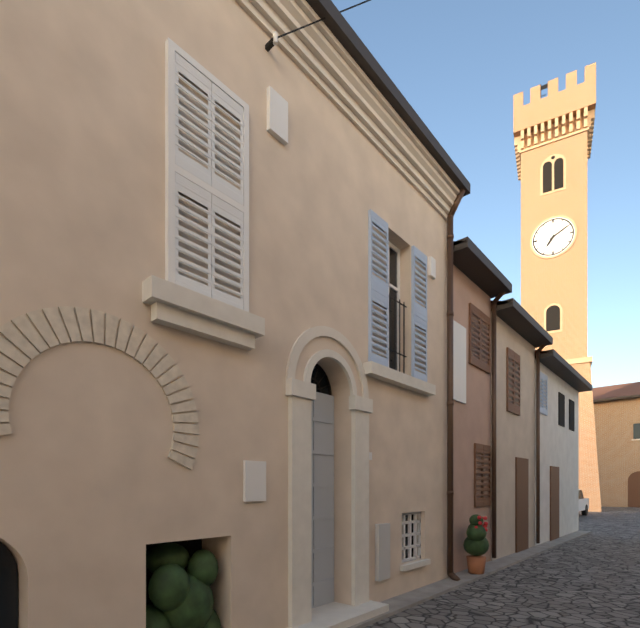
7:10
